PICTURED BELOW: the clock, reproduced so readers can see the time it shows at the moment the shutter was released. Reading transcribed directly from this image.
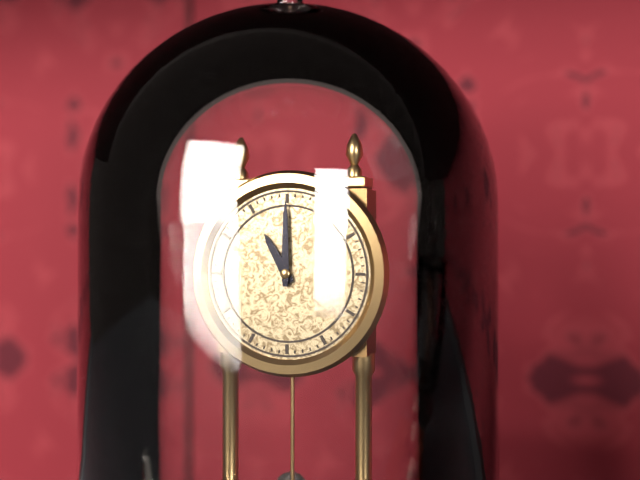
11:00
